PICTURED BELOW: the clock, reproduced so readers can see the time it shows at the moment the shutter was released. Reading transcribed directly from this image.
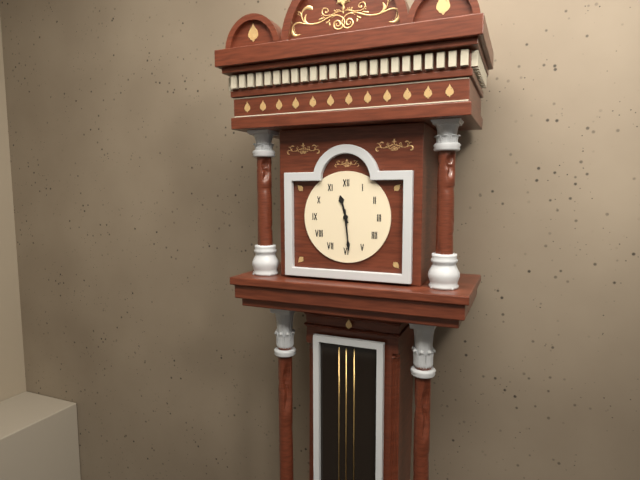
11:29
